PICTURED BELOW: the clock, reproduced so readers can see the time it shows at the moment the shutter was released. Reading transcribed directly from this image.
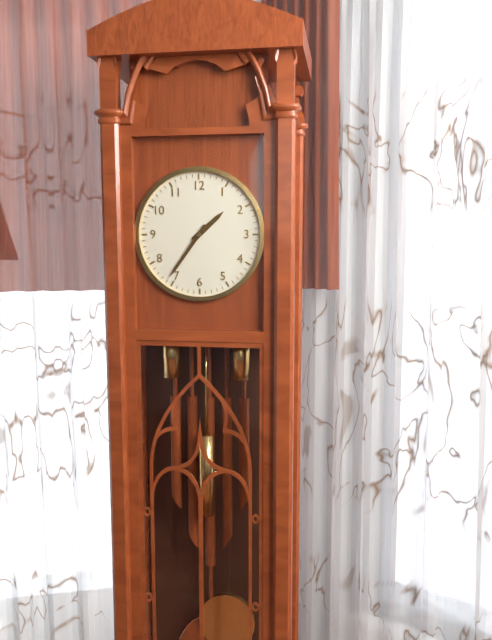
1:36
